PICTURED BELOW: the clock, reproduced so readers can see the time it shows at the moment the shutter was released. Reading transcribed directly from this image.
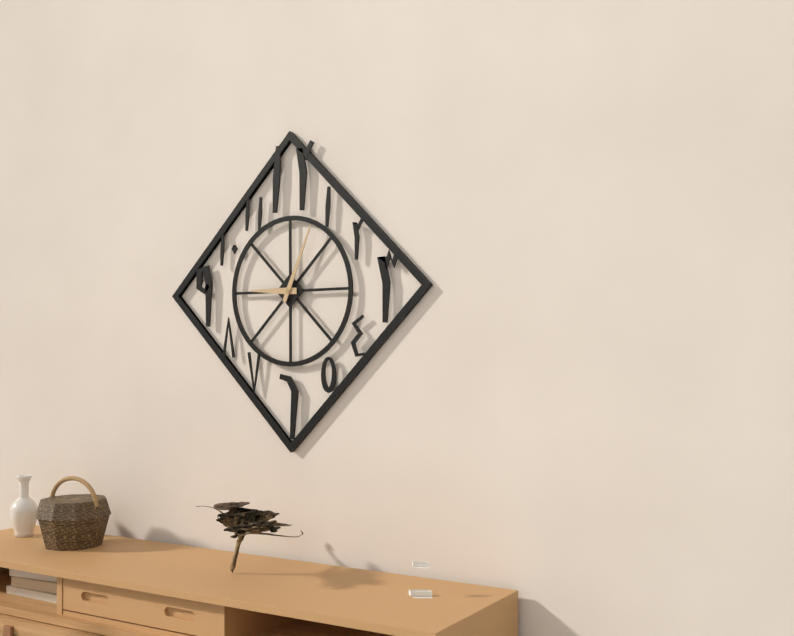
9:04
